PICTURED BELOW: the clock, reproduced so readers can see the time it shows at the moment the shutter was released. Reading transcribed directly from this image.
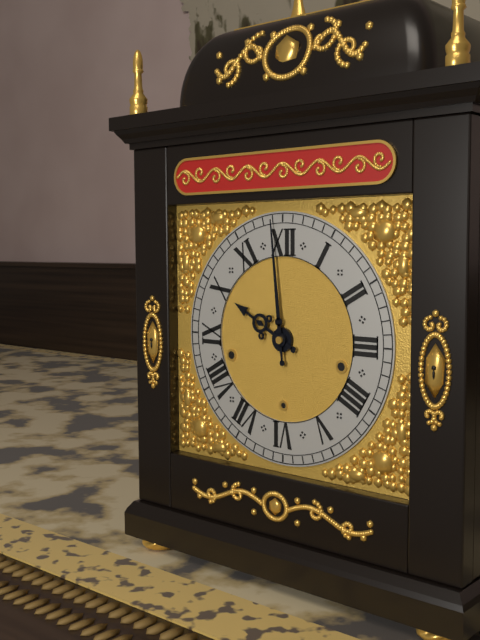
9:59
